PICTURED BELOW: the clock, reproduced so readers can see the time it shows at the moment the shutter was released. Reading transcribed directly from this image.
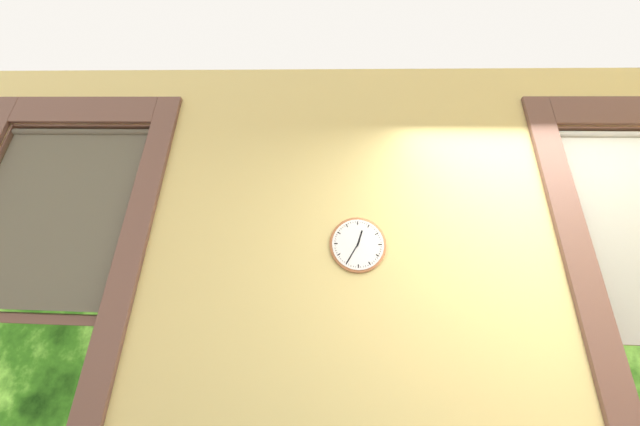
12:35
